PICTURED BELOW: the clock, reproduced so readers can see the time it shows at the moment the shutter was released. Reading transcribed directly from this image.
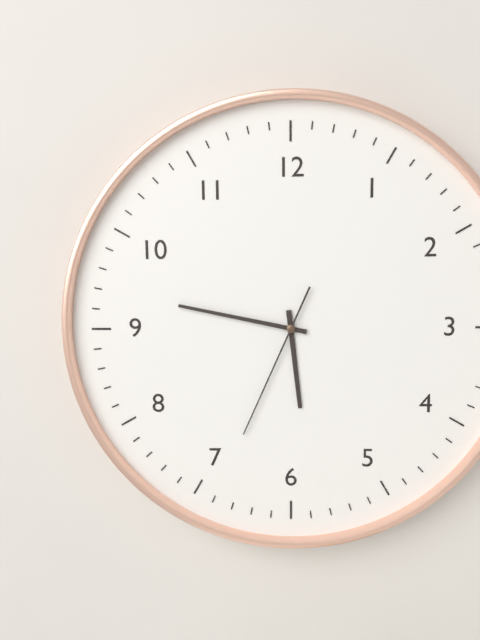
5:47:34
